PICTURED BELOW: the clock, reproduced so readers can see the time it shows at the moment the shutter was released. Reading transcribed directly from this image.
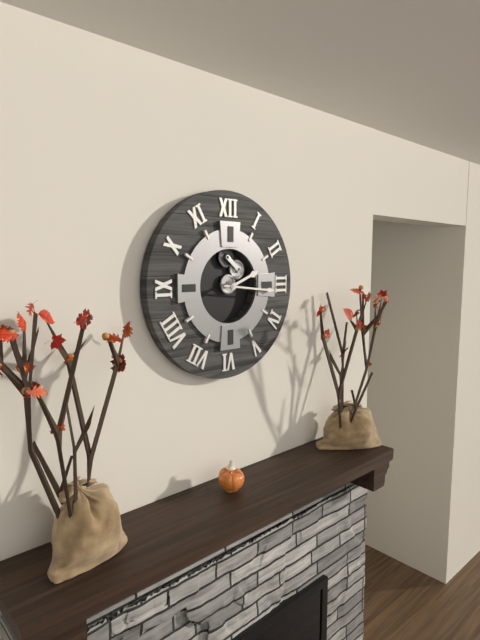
2:16
